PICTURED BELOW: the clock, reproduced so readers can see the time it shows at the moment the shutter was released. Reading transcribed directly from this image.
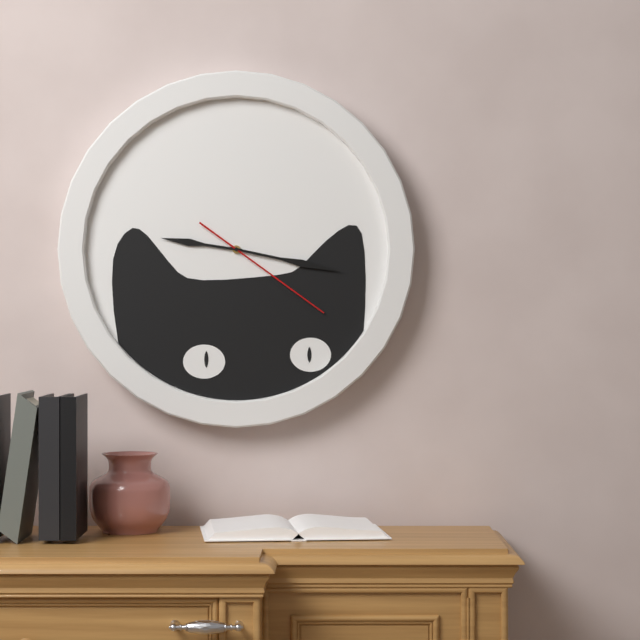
9:17:21
